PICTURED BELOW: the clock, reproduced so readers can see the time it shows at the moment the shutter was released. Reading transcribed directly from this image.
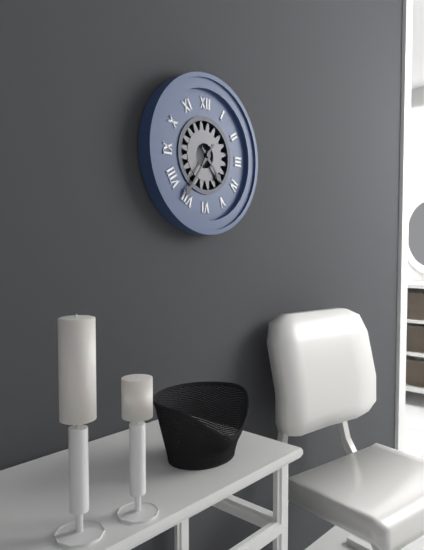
4:36
